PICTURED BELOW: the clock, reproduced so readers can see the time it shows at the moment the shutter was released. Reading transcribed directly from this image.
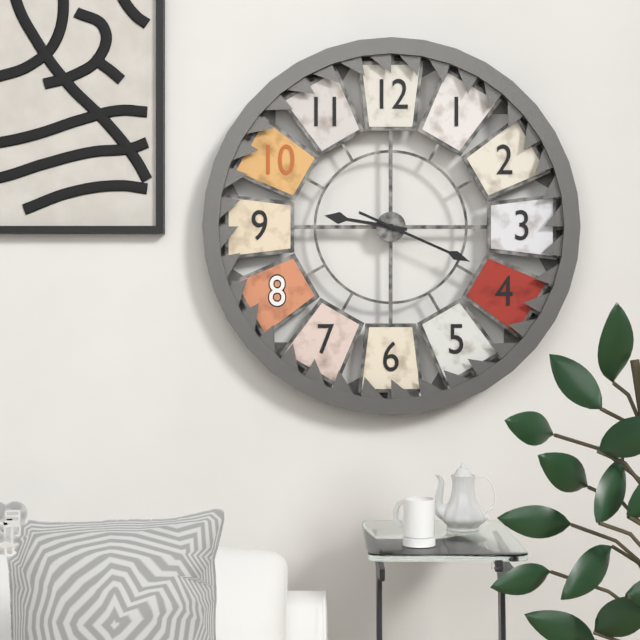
9:19
